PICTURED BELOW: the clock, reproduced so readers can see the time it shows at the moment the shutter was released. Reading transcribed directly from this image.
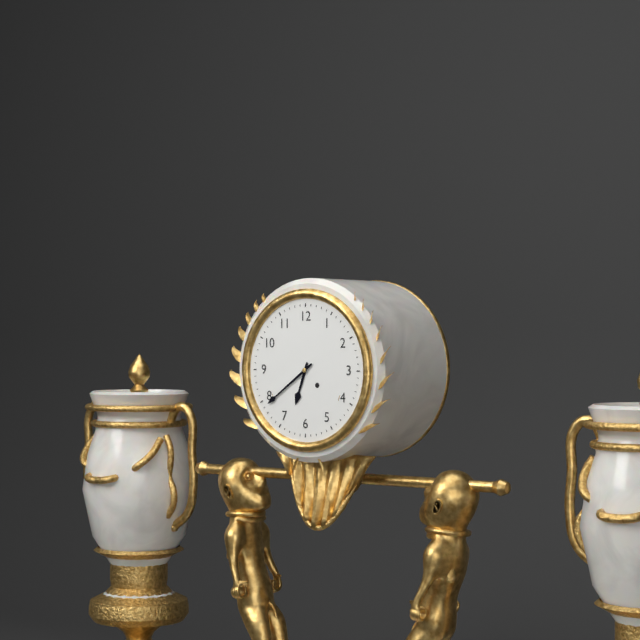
6:39
